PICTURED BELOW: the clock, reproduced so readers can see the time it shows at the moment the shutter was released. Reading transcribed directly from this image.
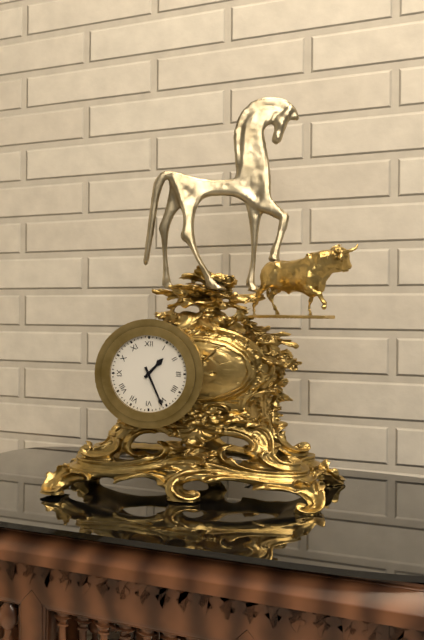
1:26
